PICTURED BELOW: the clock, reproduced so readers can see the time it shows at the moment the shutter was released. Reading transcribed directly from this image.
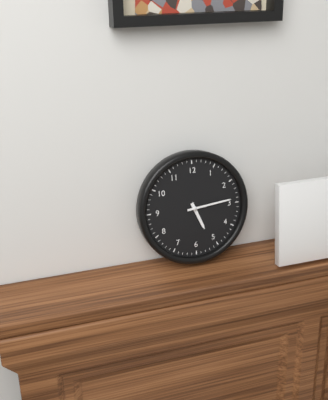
5:14
